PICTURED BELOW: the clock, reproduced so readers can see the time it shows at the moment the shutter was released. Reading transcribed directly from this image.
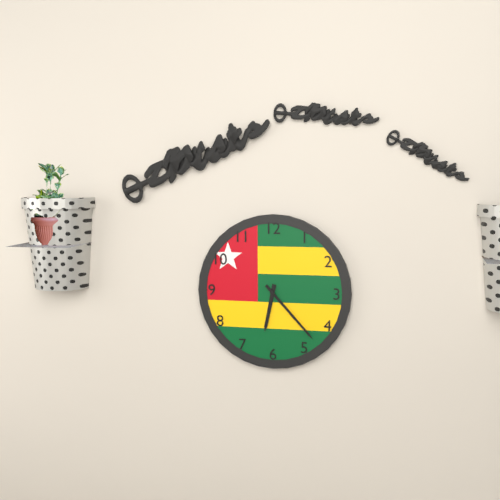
6:23
